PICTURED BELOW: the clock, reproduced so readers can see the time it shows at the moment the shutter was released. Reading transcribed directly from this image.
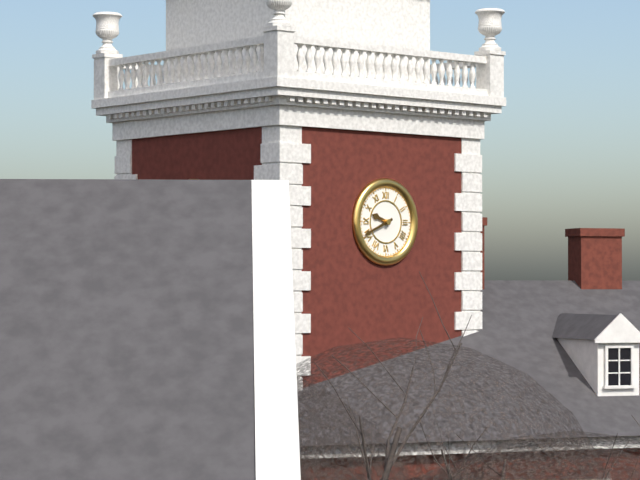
9:41
